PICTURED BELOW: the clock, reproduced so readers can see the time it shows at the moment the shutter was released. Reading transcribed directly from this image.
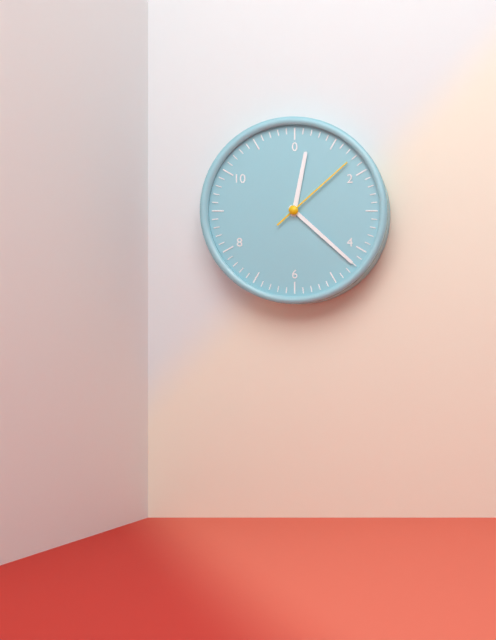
12:22:08
